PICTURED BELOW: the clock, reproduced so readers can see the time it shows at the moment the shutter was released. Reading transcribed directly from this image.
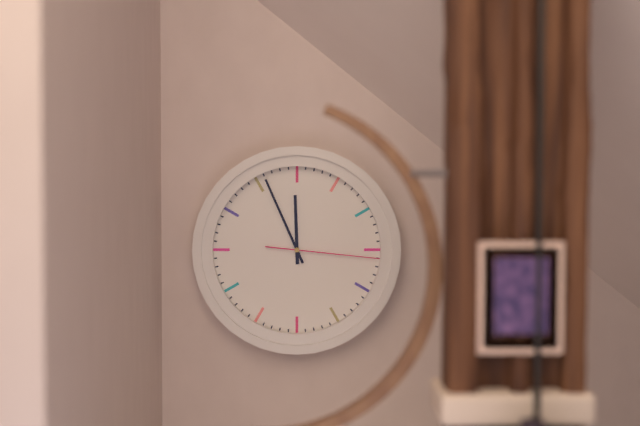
11:56:16
